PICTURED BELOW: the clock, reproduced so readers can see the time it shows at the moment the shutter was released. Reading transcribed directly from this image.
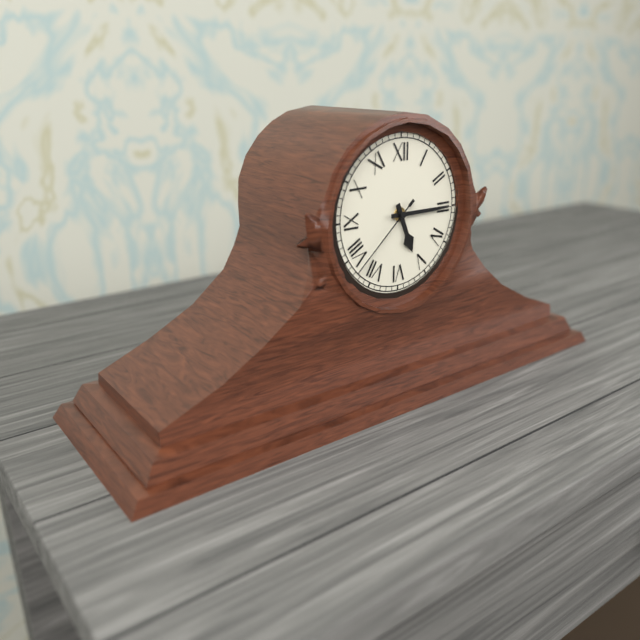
5:15:38
